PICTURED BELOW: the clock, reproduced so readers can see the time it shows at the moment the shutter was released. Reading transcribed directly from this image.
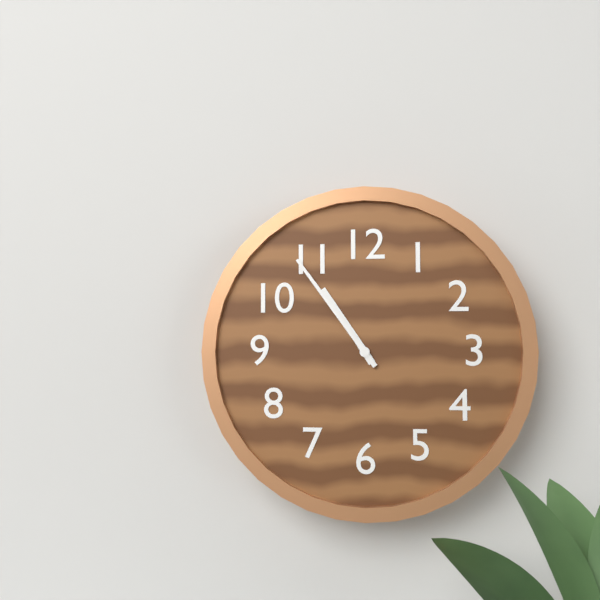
10:54
